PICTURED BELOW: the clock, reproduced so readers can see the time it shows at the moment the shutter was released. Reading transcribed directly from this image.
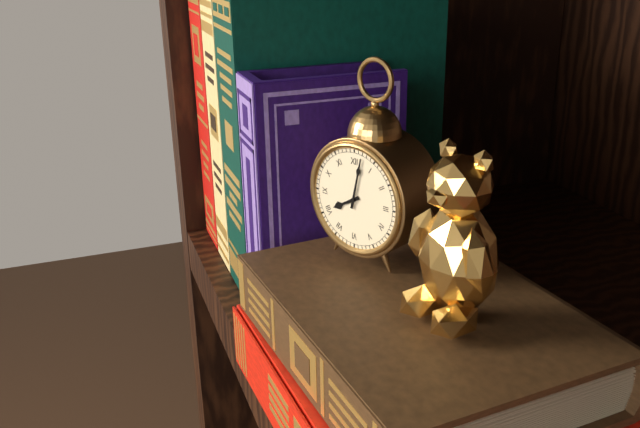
8:02
